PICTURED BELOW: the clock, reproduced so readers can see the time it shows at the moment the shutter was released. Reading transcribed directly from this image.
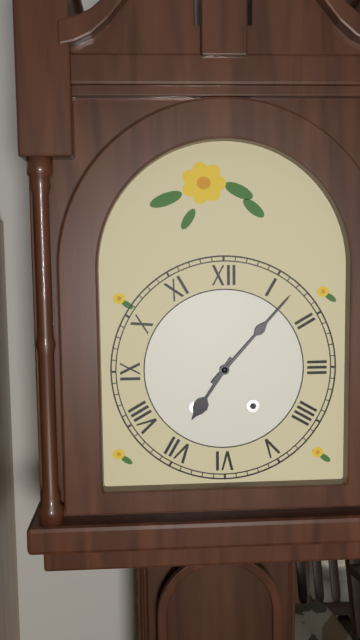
7:07
